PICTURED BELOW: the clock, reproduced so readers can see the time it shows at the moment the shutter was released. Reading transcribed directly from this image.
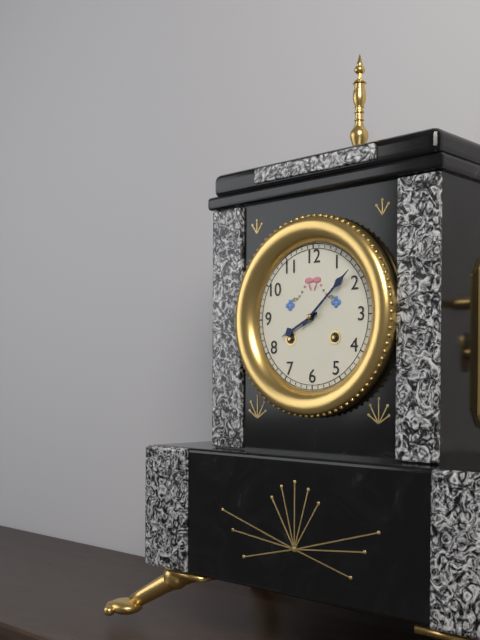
8:08
